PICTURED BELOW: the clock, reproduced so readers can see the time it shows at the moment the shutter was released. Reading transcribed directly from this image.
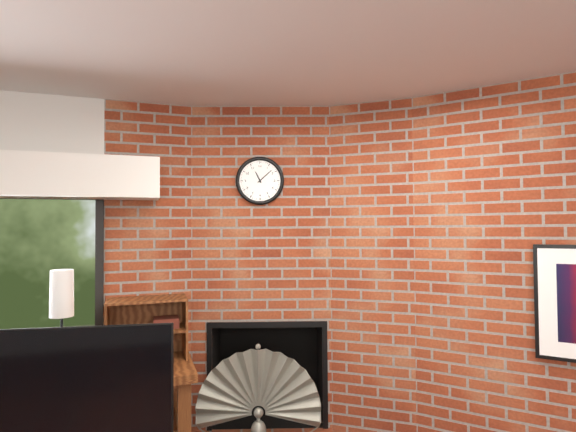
11:08
